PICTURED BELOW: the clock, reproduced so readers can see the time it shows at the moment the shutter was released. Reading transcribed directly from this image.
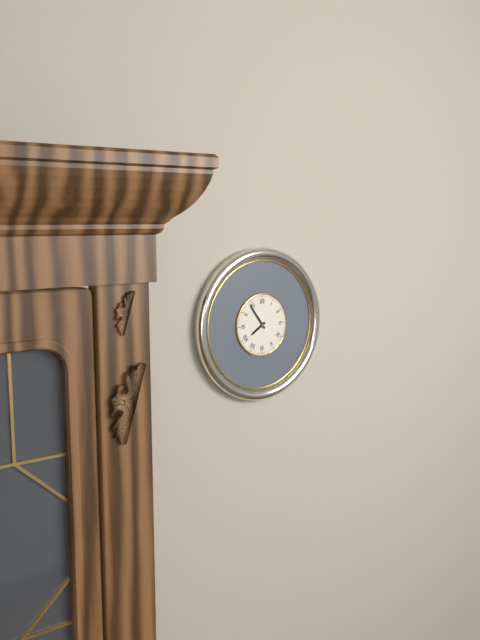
7:54
